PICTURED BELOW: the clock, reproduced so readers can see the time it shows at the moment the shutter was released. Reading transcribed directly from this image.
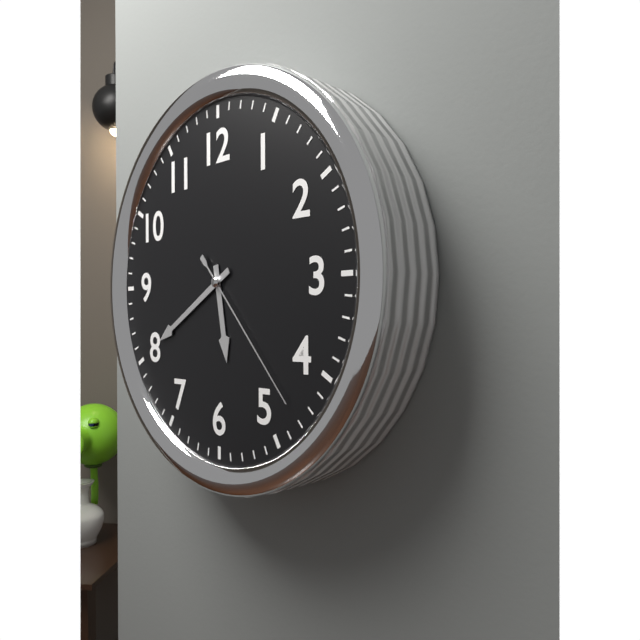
5:40:23
